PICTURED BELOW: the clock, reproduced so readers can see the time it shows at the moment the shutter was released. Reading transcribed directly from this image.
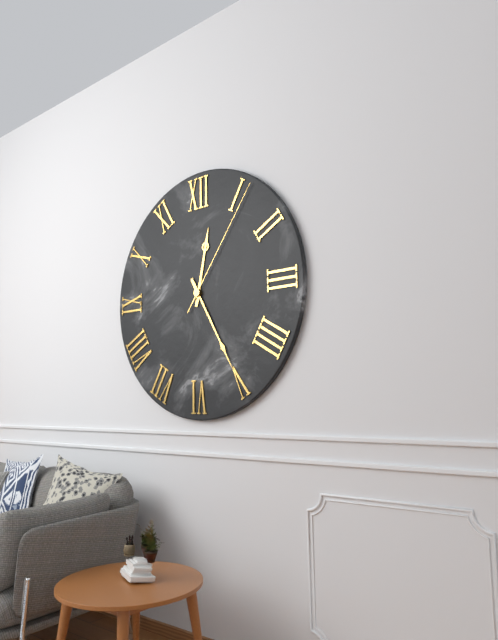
12:25:06
